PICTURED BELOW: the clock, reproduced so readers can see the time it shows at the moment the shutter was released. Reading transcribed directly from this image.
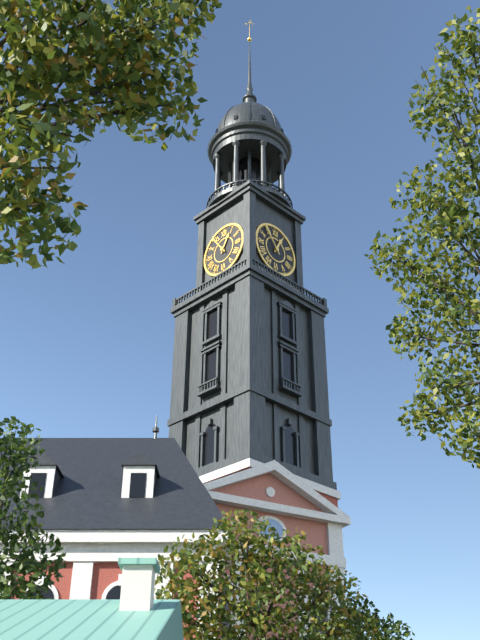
12:54
